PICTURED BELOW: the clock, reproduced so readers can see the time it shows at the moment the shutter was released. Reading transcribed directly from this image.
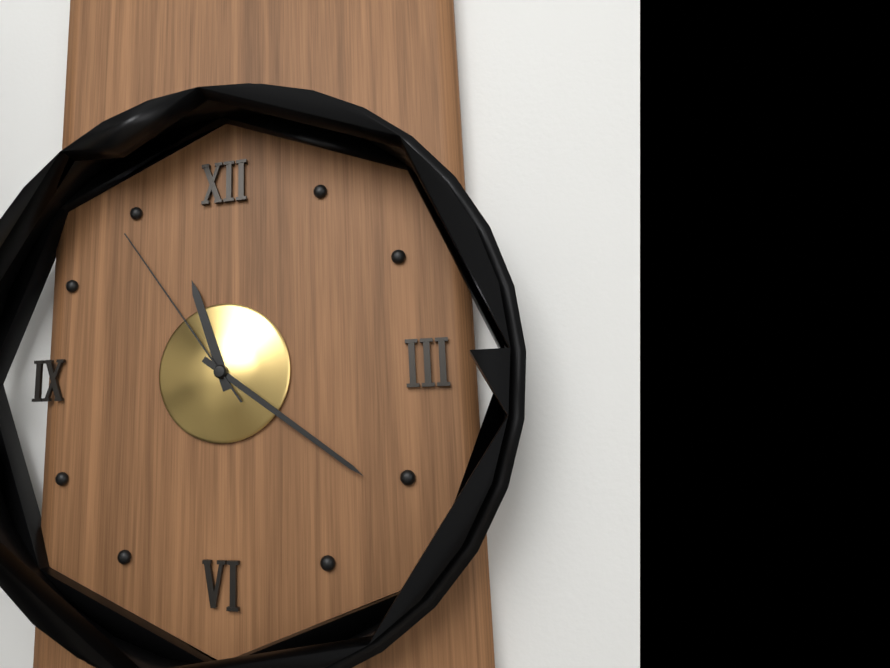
11:21:54
